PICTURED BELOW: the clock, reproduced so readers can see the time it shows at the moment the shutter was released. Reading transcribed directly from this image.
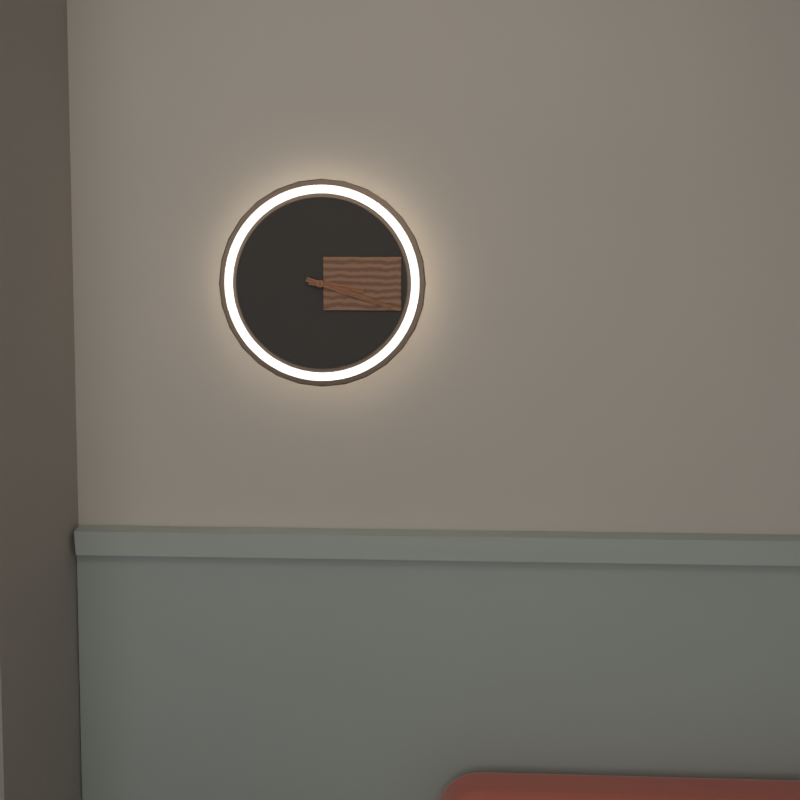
3:18
